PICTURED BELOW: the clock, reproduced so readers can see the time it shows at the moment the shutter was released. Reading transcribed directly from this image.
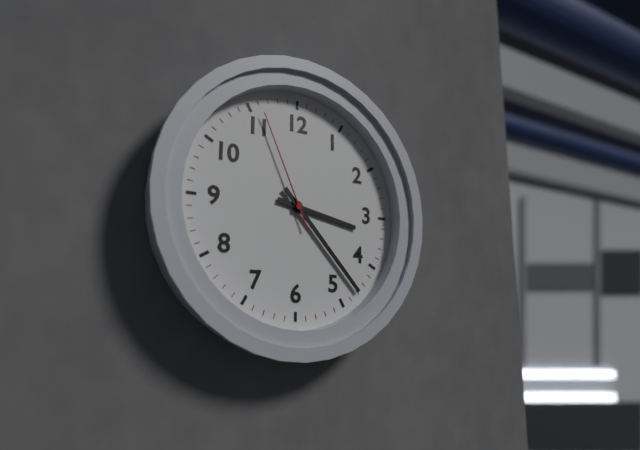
3:23:56
